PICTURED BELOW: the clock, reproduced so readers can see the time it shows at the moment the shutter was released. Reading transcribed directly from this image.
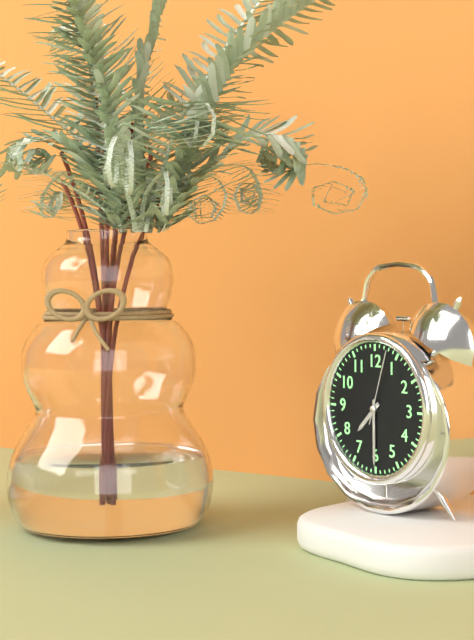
7:30:03
